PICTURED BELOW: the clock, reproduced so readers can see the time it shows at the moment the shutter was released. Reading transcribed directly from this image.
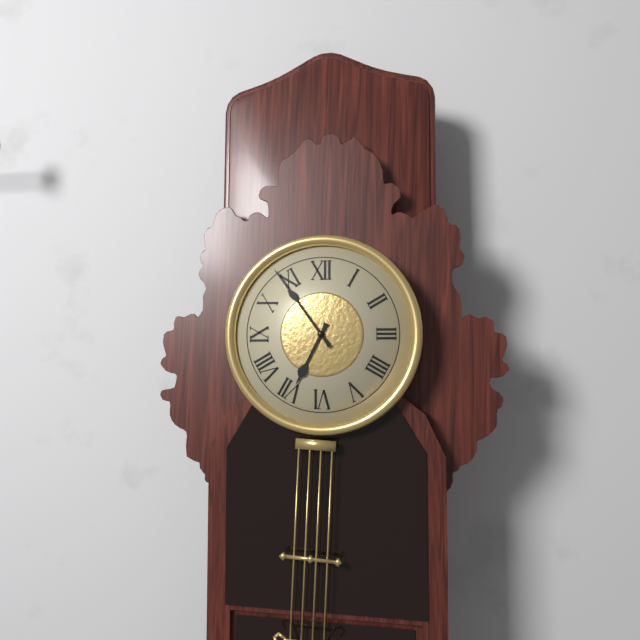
6:54
